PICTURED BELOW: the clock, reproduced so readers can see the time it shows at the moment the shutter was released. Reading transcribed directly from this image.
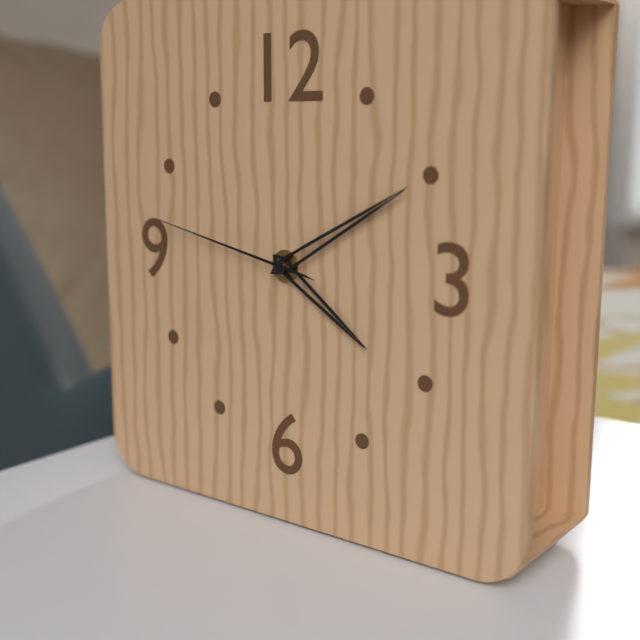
4:10:47
